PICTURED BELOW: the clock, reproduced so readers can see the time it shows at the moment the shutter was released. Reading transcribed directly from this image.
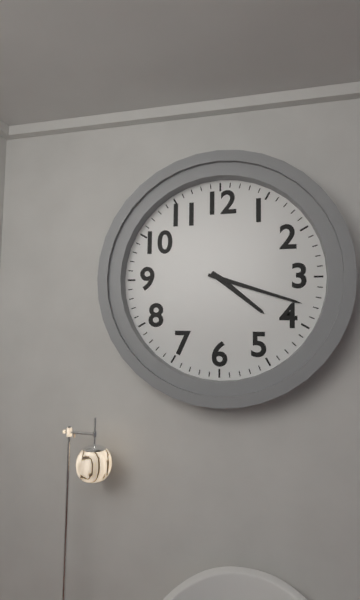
4:18
